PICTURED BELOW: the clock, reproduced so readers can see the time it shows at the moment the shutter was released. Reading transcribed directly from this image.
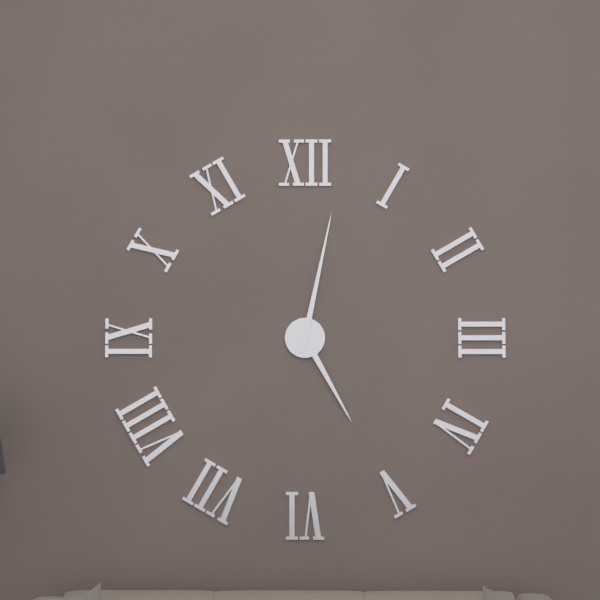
5:02
